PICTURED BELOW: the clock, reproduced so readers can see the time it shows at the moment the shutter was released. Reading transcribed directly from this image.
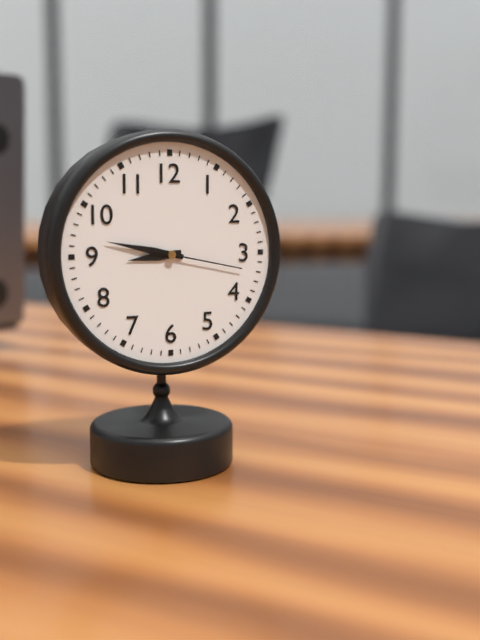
8:47:17
